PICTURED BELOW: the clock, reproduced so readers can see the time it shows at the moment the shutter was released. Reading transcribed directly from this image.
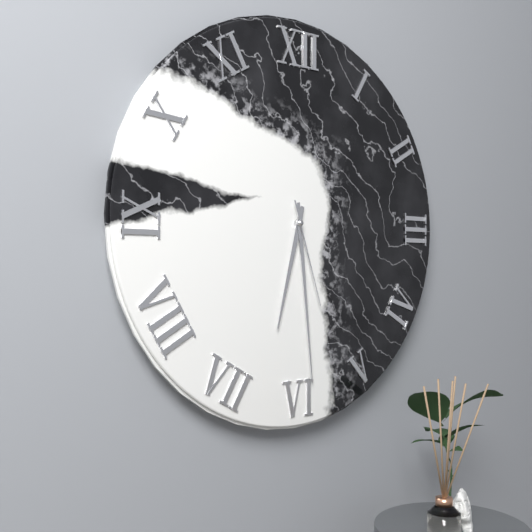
6:29:27
